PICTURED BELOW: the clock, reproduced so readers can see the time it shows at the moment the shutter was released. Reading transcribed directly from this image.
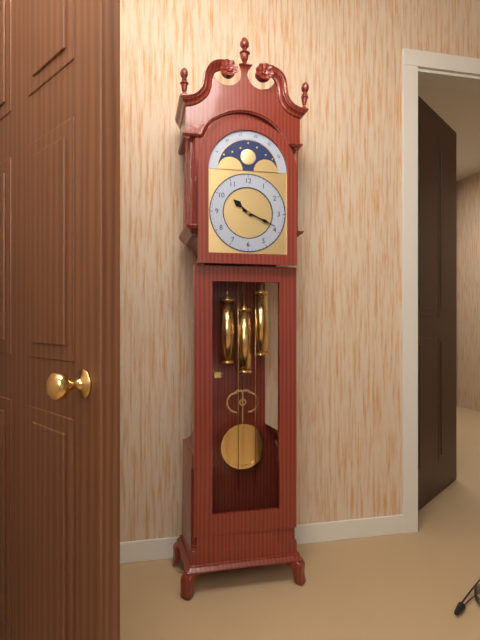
10:19
